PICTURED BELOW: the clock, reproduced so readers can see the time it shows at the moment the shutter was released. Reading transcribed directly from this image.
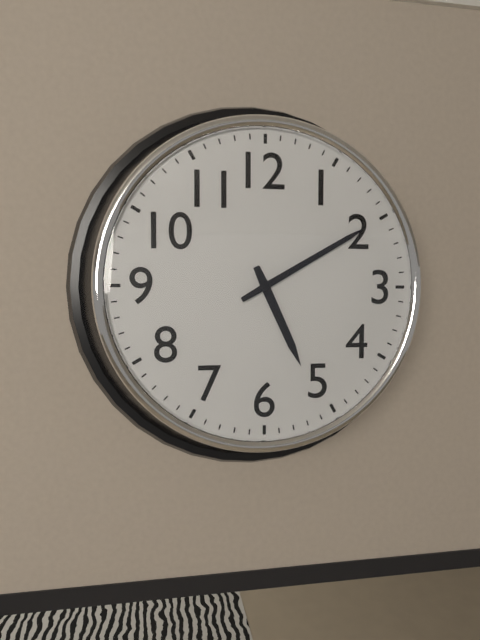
5:10
